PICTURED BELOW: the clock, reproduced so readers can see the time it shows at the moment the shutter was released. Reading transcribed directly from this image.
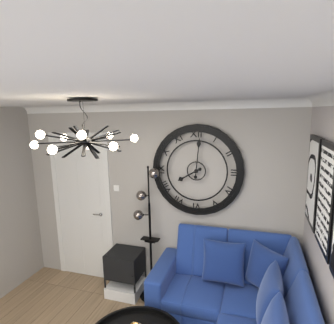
8:01
